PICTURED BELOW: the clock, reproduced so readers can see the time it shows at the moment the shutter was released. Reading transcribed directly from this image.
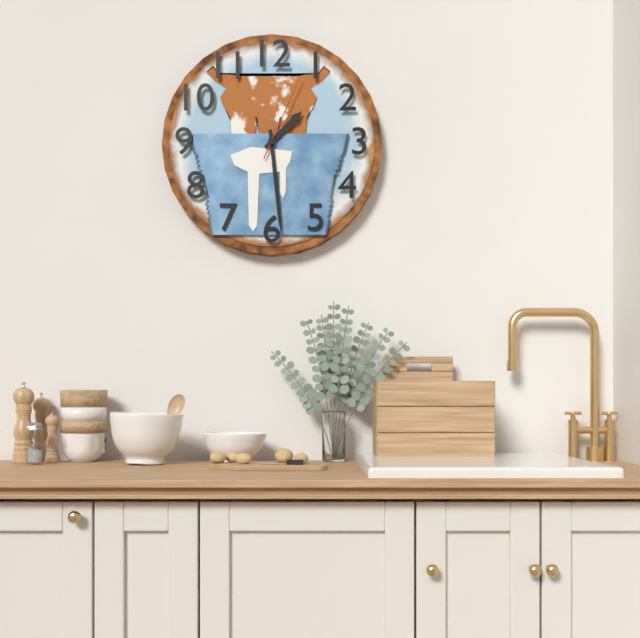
1:29:04
